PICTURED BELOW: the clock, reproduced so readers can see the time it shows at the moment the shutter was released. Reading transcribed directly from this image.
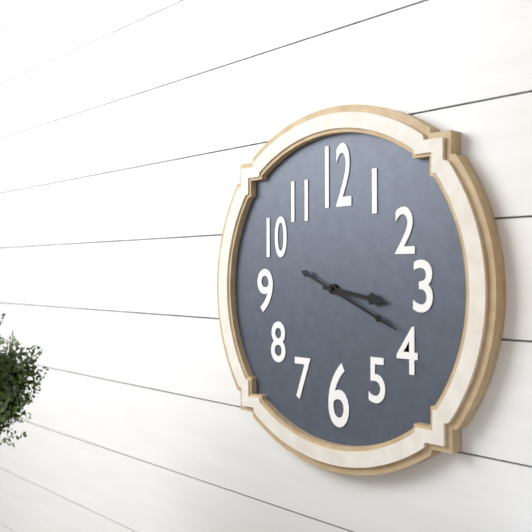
3:19
